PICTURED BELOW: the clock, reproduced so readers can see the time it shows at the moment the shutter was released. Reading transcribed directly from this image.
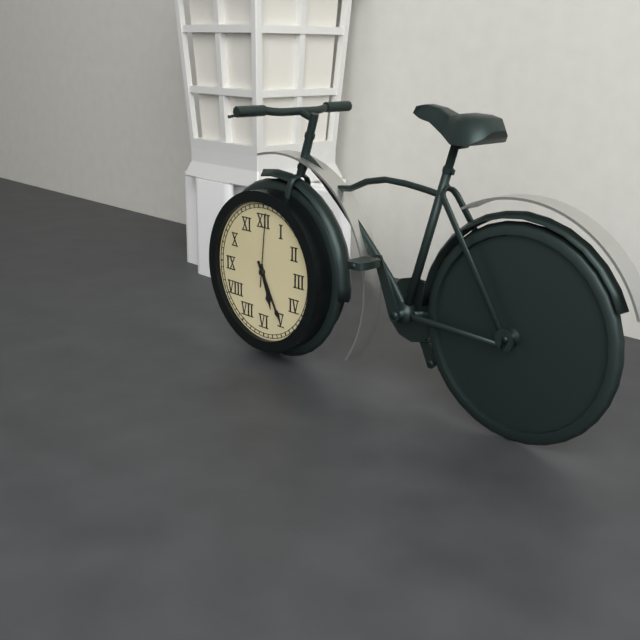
5:25:01
